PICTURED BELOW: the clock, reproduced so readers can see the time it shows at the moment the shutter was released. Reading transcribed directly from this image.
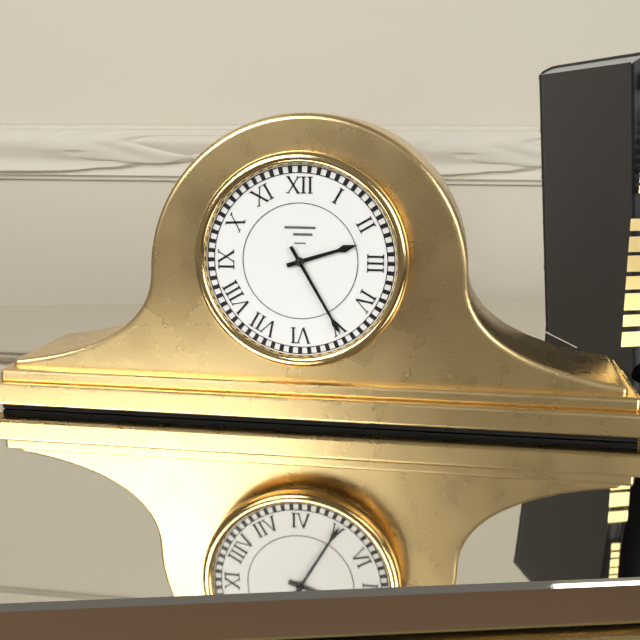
2:25
